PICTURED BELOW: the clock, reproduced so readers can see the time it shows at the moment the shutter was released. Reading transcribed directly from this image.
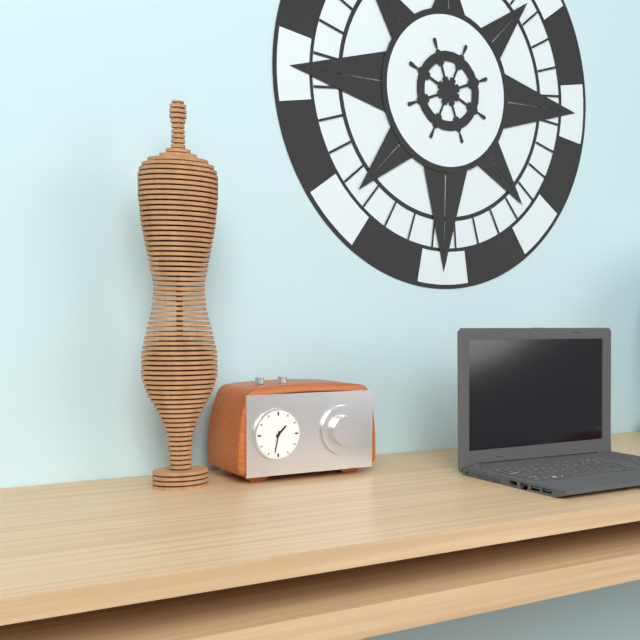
1:32
